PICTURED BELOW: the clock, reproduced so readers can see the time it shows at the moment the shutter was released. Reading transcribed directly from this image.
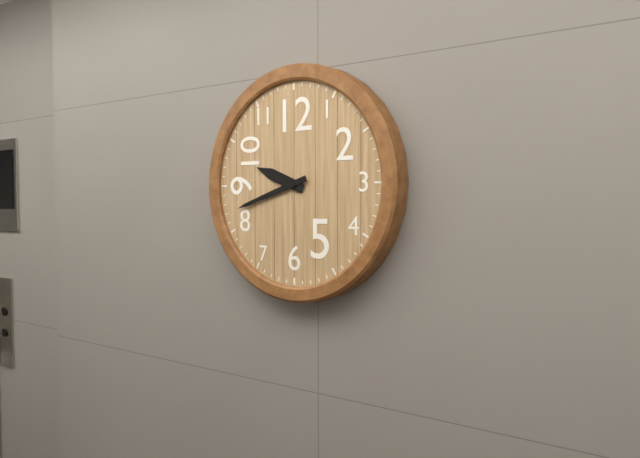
9:42
